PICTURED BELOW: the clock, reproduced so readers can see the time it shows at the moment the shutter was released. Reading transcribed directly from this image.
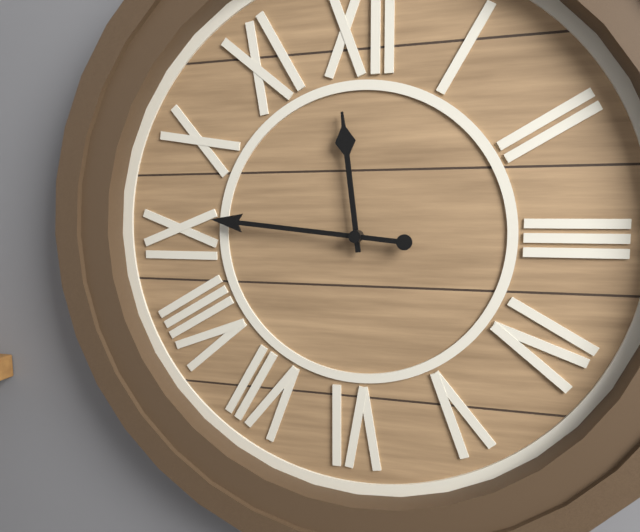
11:46
